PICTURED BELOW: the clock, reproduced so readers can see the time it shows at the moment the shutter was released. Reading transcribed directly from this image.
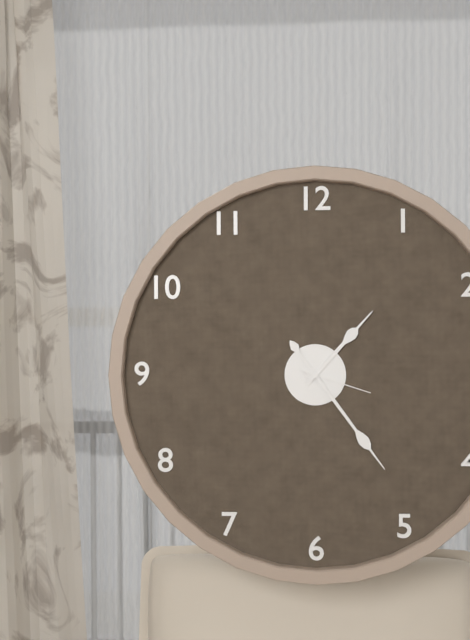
1:24:18
